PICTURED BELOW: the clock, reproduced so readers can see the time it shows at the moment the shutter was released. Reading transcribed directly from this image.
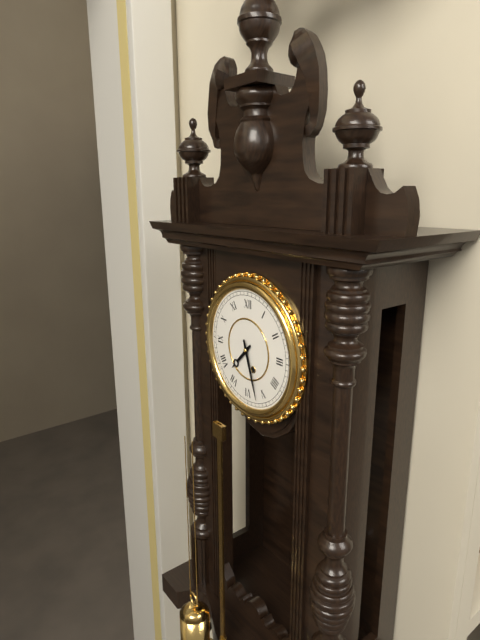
7:27
